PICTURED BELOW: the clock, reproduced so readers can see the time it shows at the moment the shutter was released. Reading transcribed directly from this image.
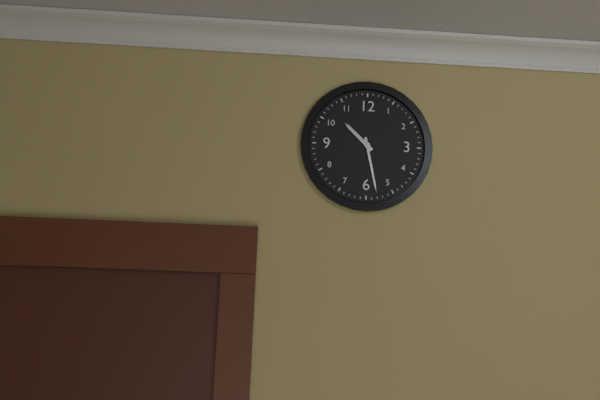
10:28
